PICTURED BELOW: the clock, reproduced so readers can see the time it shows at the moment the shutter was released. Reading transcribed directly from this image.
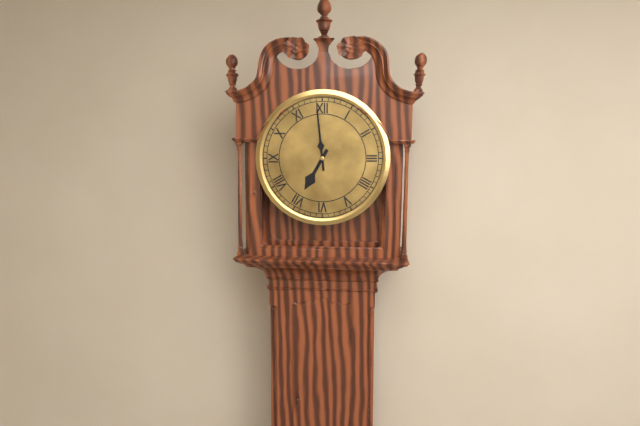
6:59
